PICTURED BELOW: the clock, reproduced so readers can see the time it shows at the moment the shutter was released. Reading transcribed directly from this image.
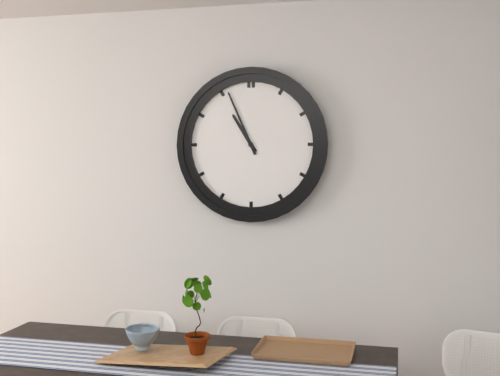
10:56
